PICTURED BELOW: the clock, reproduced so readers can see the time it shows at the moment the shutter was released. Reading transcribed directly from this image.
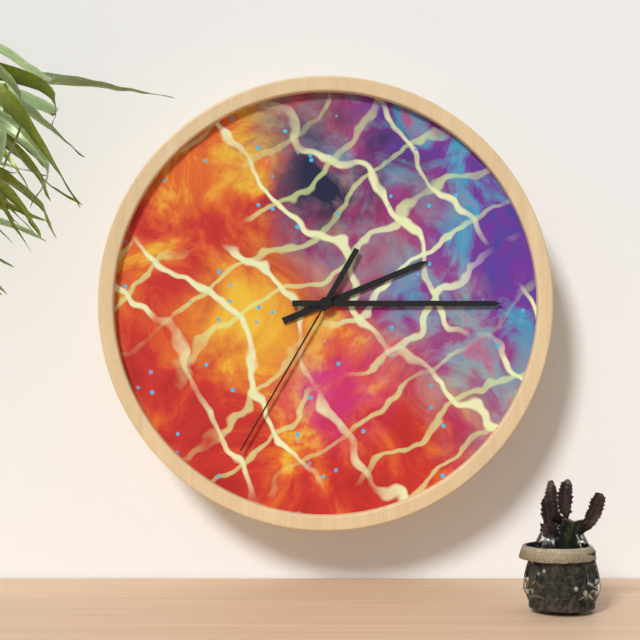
2:15:35
